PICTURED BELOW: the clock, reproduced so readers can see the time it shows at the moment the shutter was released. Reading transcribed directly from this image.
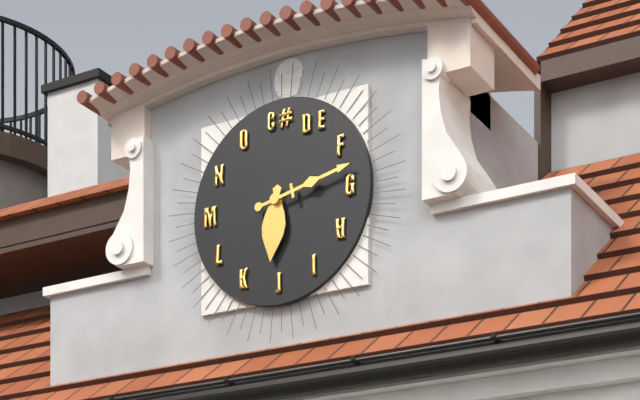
6:13
